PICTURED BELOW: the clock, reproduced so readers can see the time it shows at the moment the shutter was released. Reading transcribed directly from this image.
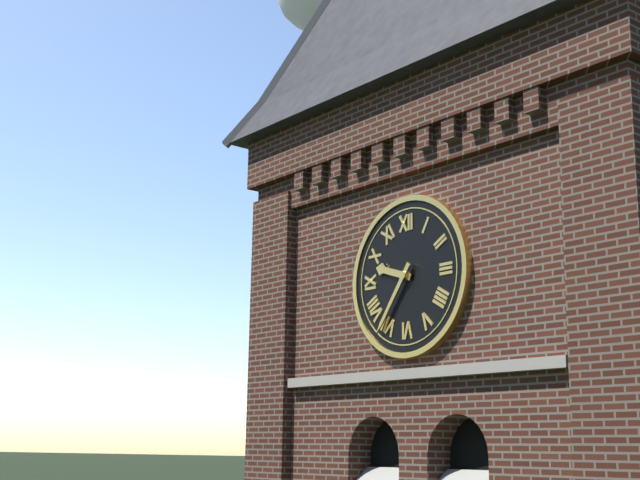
9:36
